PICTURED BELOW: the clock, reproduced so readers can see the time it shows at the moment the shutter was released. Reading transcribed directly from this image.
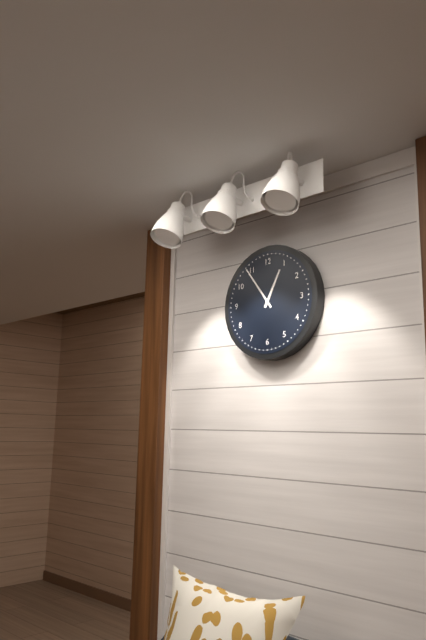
12:54
